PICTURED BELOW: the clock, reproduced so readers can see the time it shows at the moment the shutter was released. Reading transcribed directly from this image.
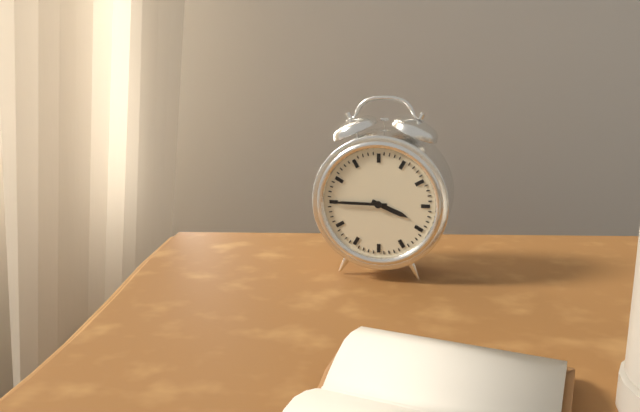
3:45
